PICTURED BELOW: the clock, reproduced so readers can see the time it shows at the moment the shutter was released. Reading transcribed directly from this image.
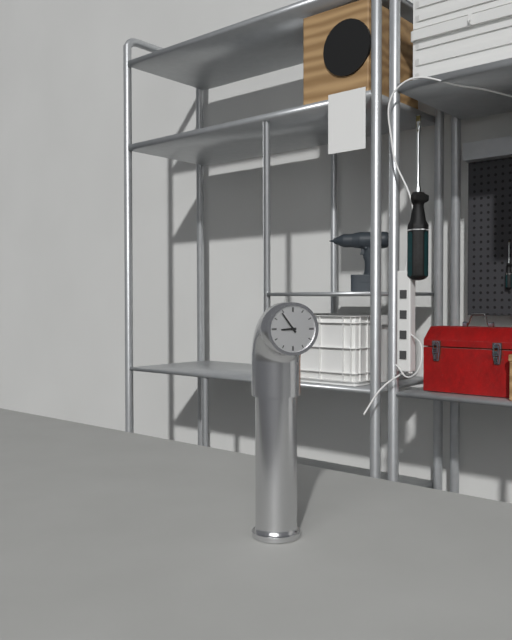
8:54
